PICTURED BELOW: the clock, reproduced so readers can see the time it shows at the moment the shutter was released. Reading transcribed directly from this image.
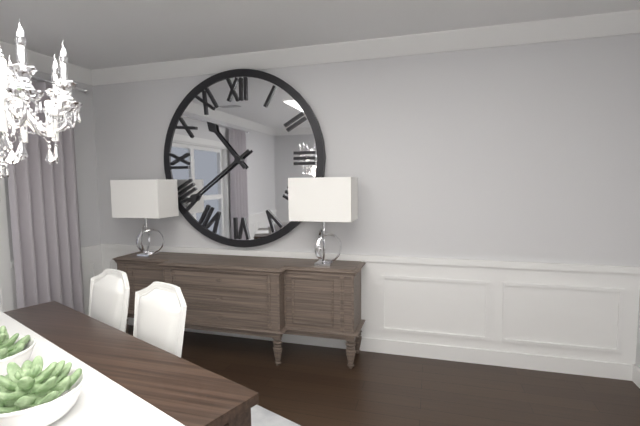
10:39
